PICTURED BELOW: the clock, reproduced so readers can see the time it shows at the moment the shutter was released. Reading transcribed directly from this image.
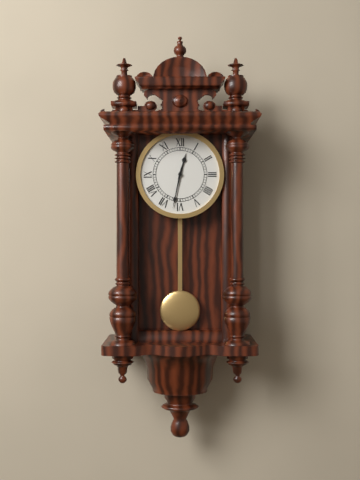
12:32
